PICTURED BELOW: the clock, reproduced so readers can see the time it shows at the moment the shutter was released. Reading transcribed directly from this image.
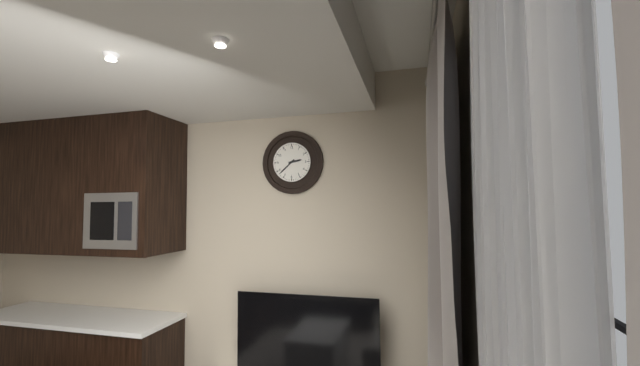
2:38
